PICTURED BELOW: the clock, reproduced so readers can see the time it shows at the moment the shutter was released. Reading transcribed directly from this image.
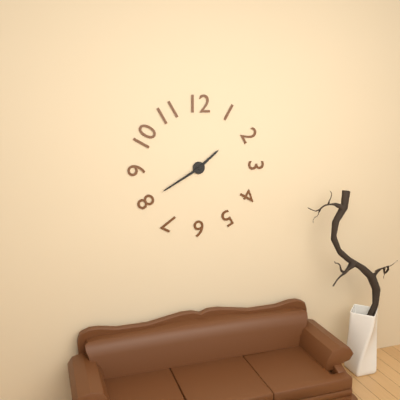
1:40
